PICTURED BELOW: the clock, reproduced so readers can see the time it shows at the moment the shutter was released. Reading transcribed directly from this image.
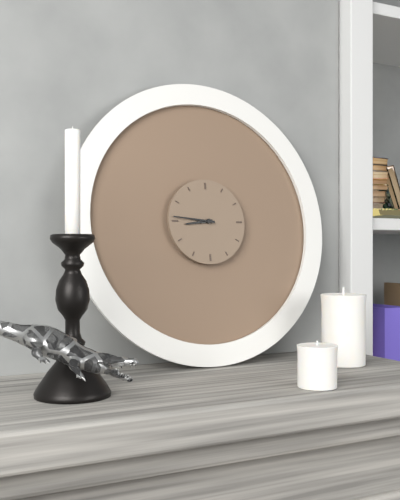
8:46
